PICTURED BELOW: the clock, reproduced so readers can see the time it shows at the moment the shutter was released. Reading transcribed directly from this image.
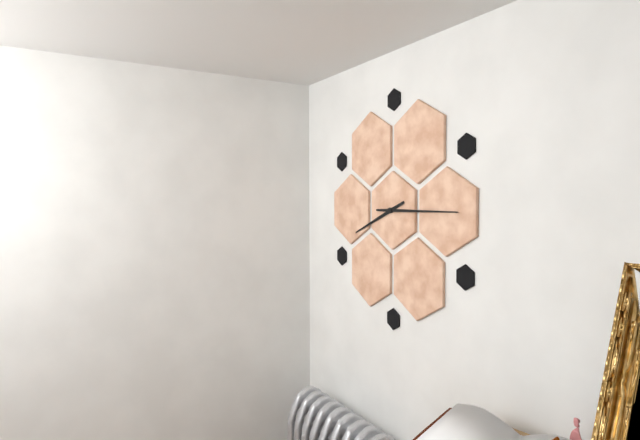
8:15
